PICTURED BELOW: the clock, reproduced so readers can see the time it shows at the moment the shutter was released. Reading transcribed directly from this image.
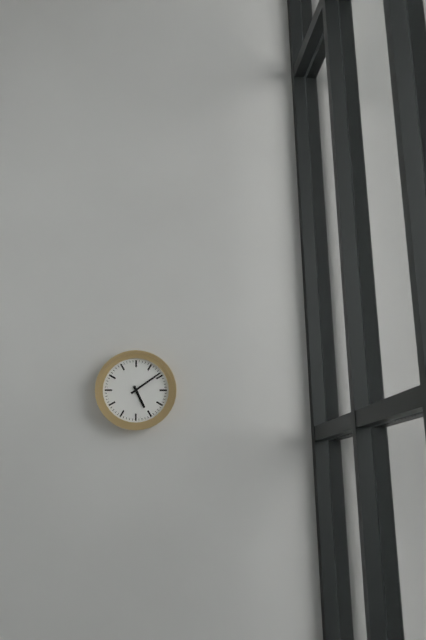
5:09
